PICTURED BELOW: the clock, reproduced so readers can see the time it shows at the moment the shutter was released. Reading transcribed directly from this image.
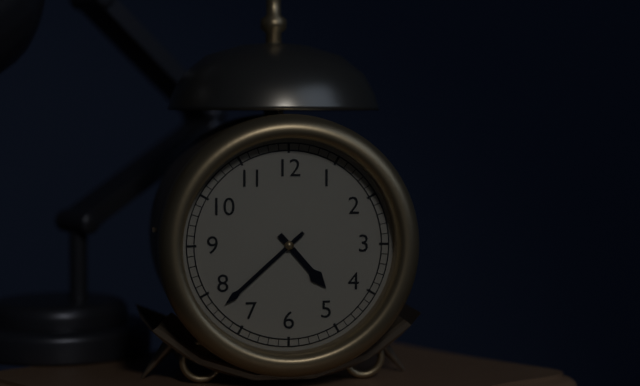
4:38
